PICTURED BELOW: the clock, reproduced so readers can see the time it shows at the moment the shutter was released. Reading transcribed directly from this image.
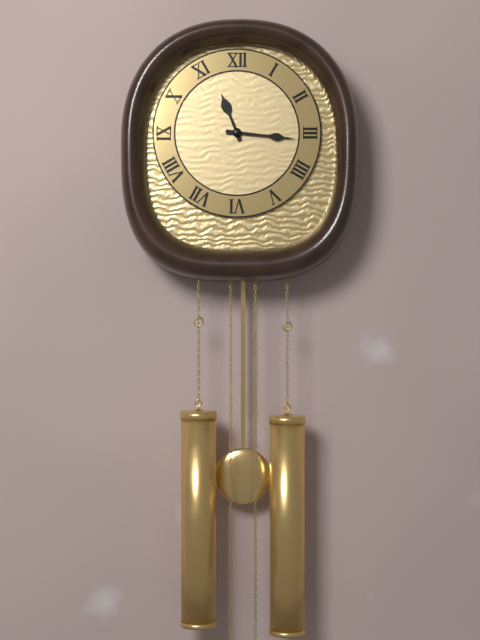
11:16
